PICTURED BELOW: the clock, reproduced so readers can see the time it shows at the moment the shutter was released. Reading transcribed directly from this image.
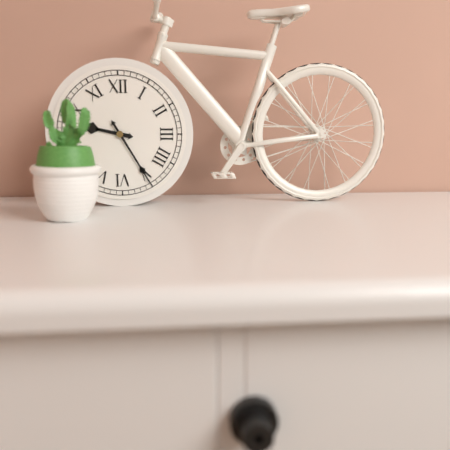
9:25
